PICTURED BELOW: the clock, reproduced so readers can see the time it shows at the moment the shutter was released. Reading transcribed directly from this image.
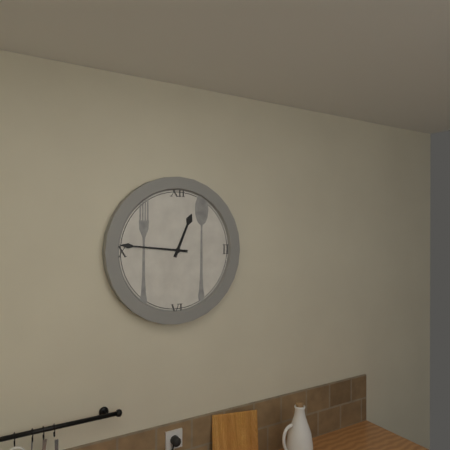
12:46
